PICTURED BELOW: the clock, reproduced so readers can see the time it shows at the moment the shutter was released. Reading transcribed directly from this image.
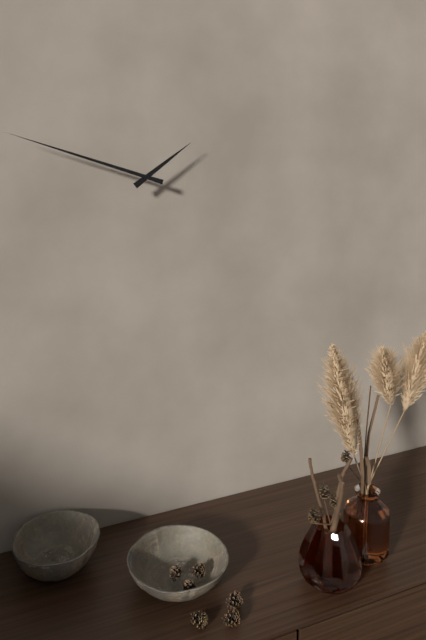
1:48
